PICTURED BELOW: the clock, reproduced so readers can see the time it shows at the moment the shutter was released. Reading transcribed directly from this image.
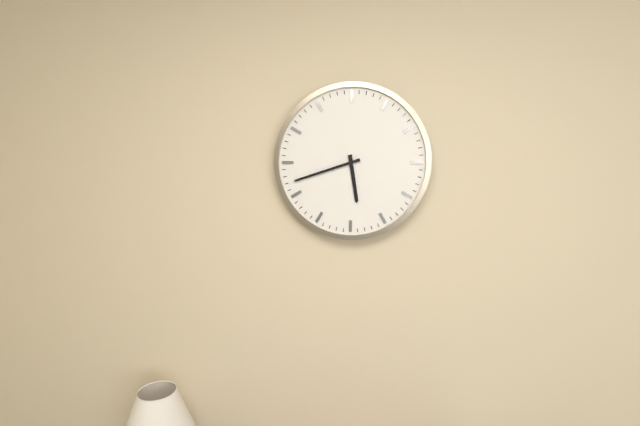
5:42
